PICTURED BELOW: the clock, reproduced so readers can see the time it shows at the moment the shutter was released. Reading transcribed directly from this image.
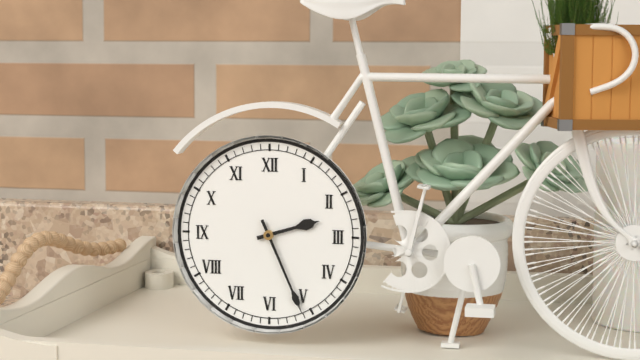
2:26
